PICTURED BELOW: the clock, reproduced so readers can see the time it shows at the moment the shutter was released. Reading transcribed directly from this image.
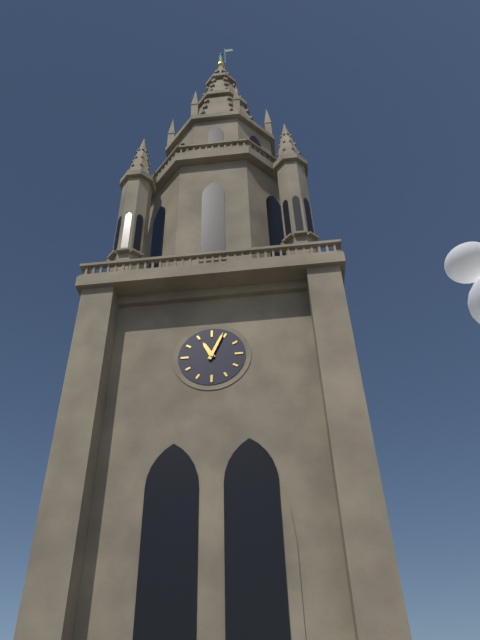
11:04
